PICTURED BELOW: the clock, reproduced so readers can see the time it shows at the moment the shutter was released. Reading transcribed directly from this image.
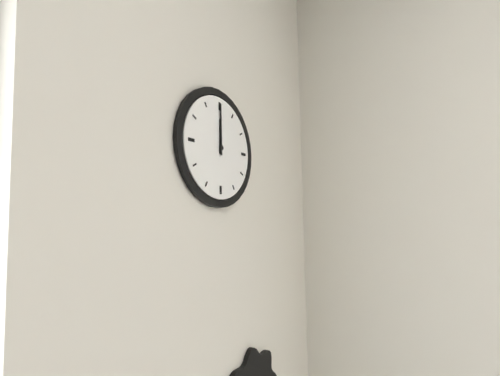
12:00
